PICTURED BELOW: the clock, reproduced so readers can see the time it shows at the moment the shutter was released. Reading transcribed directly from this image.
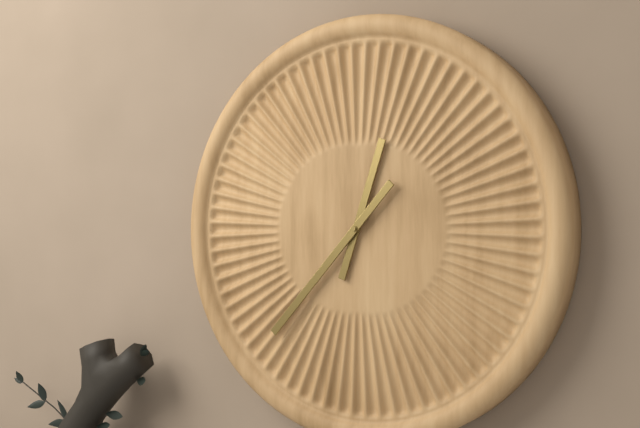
12:37
